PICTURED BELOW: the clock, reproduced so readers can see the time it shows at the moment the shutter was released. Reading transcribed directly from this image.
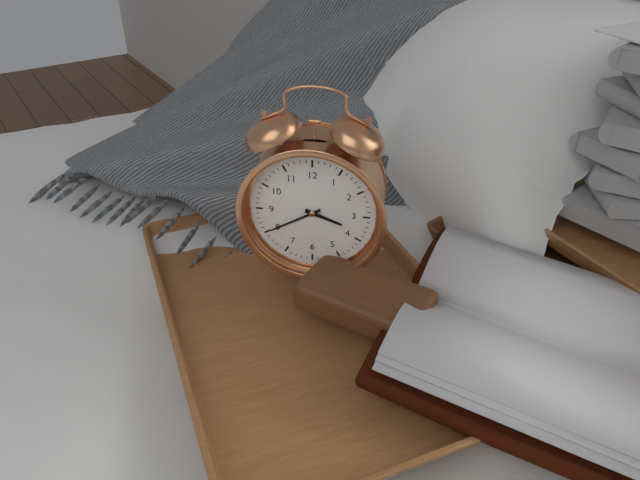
3:40
